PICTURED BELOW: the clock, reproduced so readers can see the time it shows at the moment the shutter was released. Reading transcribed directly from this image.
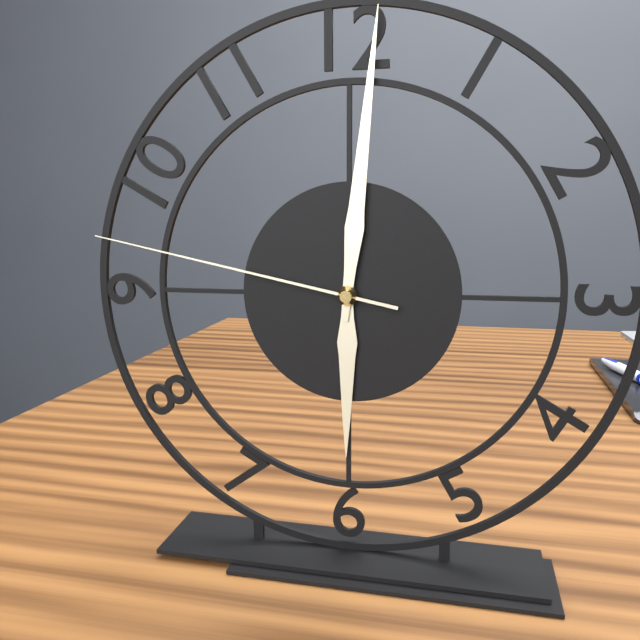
6:01:47
